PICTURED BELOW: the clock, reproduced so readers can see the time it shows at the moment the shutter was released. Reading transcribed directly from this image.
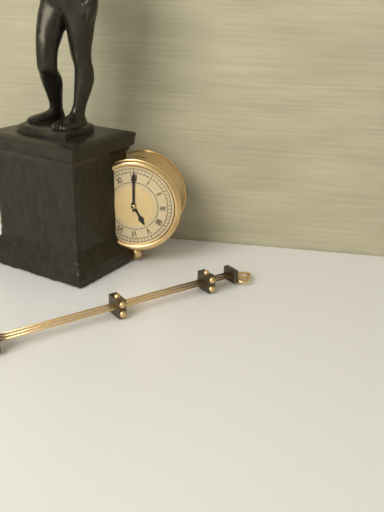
5:00
